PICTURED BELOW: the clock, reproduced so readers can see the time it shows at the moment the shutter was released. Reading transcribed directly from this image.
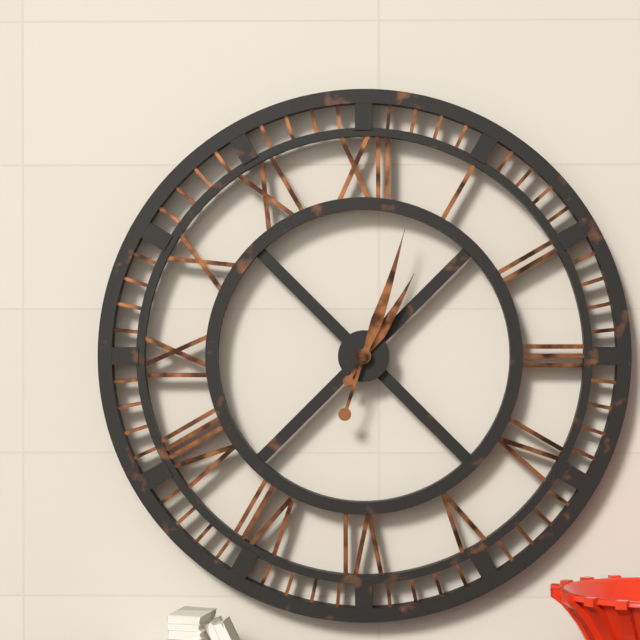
1:03
